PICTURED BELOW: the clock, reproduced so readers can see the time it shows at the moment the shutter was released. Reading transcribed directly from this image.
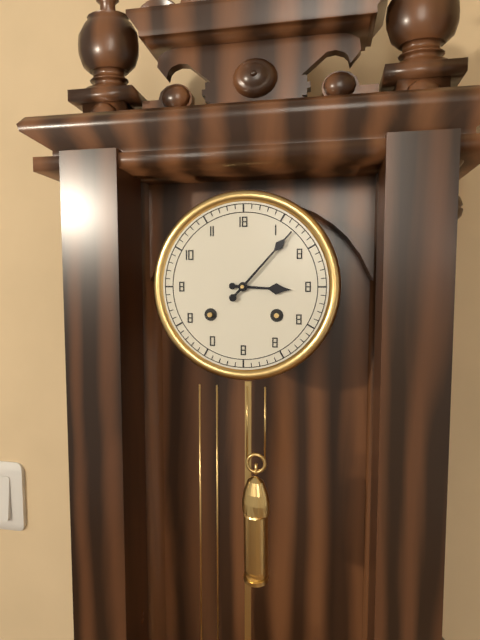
3:07
